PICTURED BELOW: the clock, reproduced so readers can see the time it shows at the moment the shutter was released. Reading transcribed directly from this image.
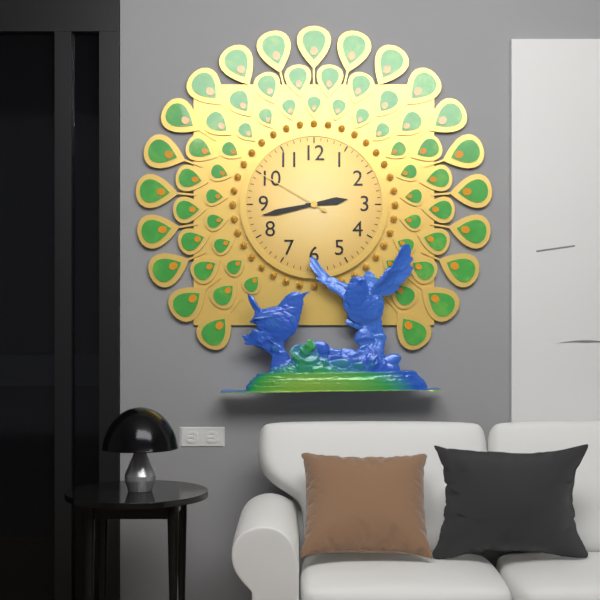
2:43:50
